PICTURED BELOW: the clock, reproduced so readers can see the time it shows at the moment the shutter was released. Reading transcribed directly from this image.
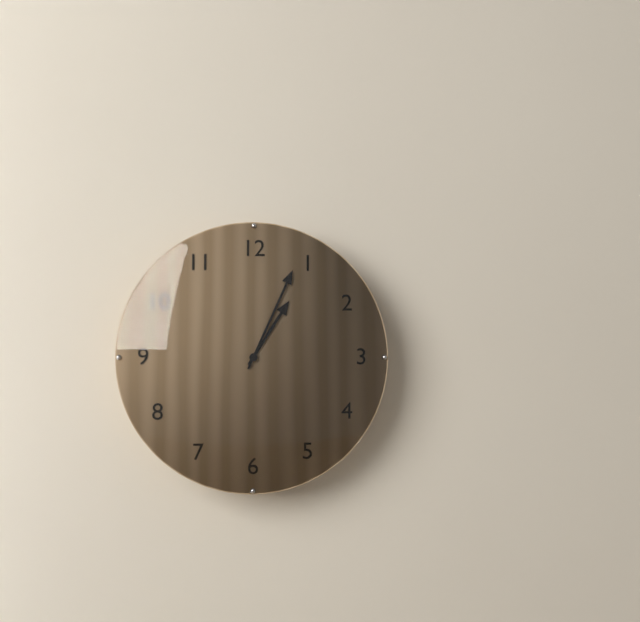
1:04
